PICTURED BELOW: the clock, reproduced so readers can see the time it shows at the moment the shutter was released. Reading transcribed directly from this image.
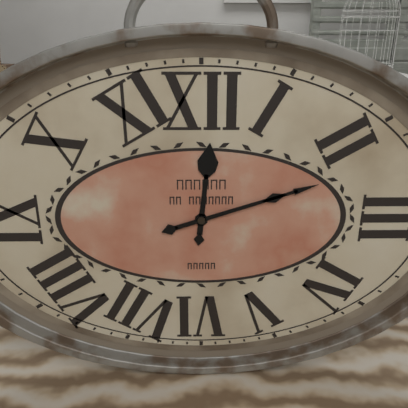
12:12
